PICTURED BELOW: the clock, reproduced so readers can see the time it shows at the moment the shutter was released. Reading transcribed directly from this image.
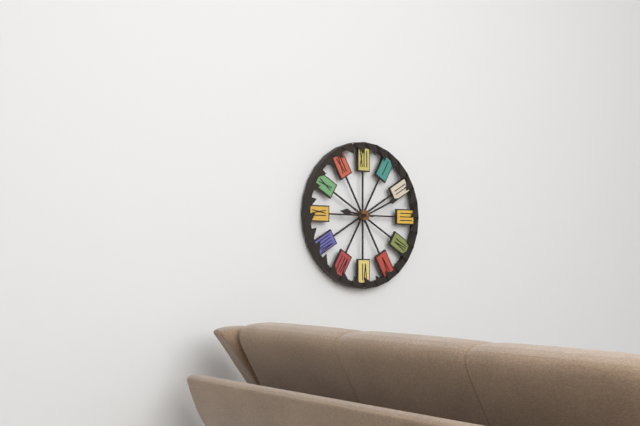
9:11
